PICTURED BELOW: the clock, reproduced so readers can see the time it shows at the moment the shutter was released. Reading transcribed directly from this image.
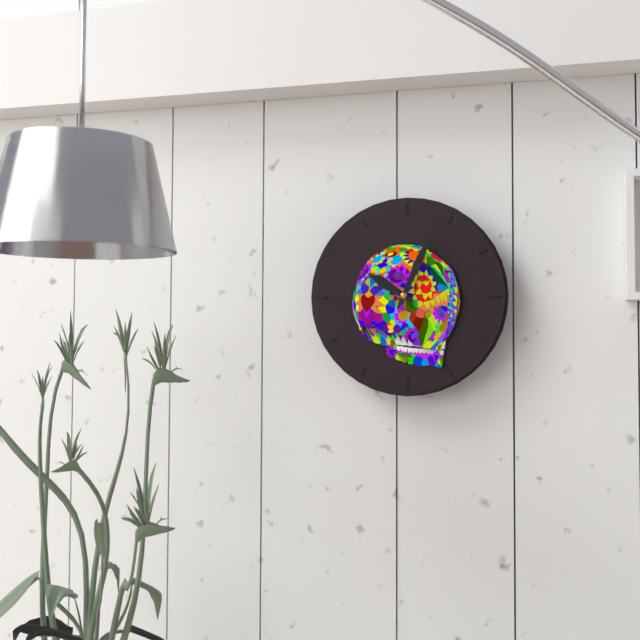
10:04
